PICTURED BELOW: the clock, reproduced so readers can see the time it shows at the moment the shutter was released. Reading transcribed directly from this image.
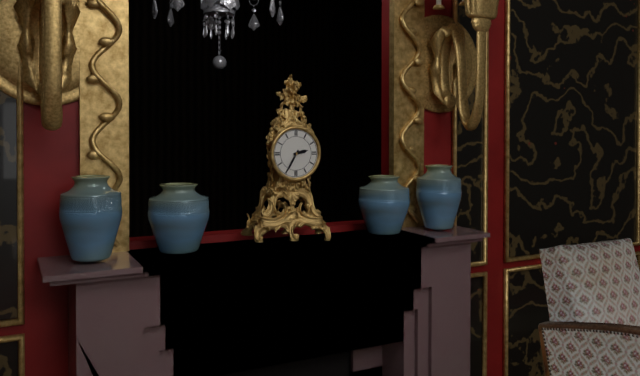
2:35
